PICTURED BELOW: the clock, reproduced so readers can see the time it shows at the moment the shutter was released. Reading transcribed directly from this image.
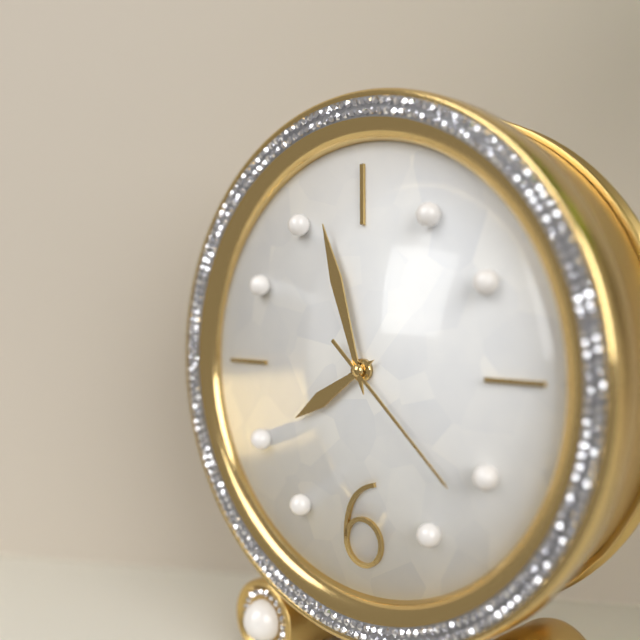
7:57:22
